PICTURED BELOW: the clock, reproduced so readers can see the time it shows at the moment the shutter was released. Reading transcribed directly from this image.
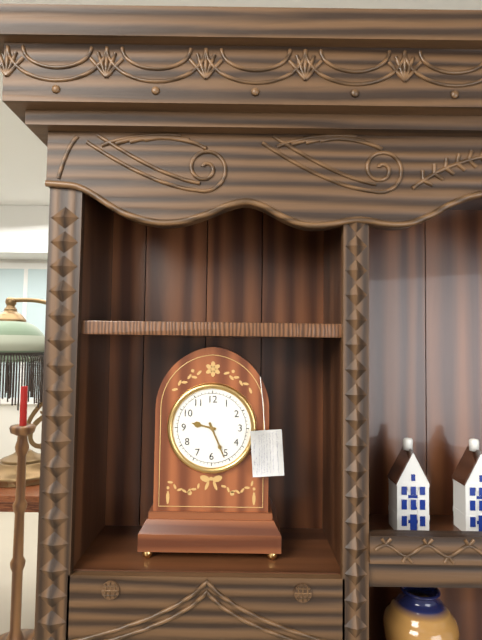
9:26
